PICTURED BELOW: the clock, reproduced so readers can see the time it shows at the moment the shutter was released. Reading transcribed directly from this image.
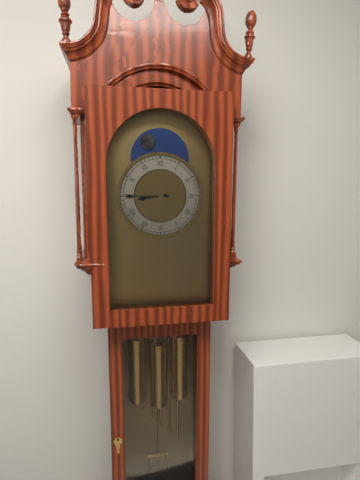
8:45
